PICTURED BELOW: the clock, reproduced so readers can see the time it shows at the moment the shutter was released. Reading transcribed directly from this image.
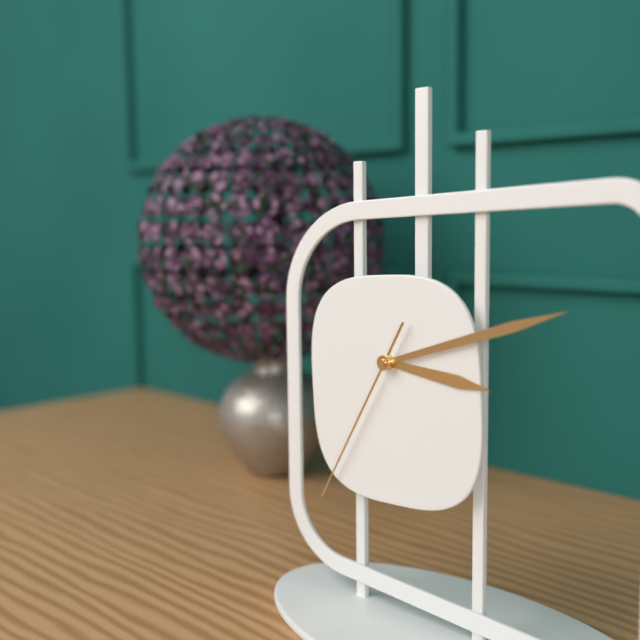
3:12:35
